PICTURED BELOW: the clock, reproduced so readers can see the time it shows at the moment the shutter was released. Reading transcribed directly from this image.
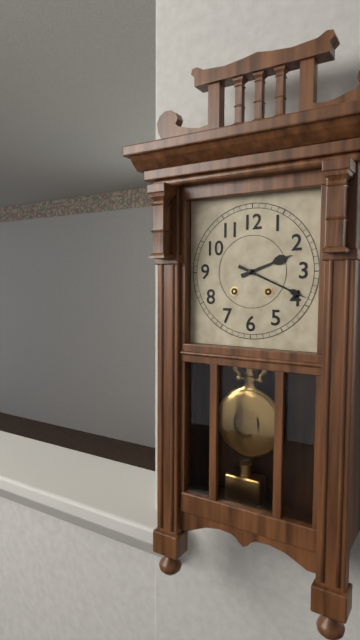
2:19
